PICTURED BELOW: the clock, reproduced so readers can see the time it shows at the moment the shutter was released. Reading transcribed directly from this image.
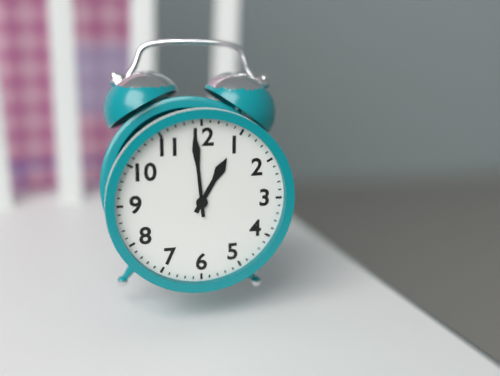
12:59
